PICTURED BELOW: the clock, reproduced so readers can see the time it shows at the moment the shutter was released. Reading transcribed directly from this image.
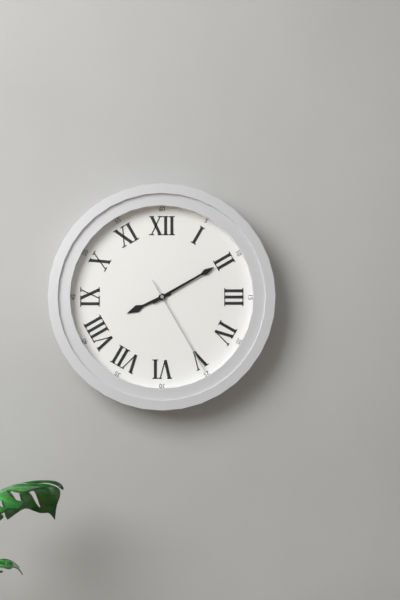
8:10:25
